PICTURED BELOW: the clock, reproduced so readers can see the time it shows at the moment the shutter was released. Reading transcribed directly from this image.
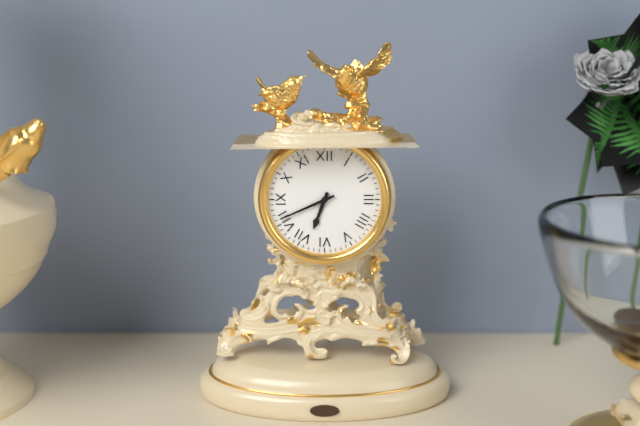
6:41
